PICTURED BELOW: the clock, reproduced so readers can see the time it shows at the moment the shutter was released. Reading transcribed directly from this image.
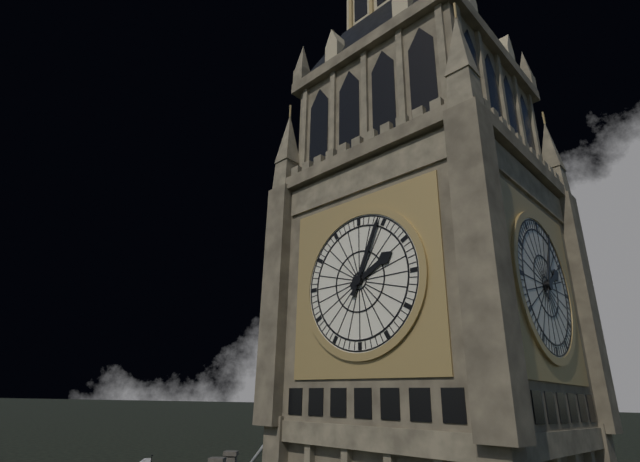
2:04
